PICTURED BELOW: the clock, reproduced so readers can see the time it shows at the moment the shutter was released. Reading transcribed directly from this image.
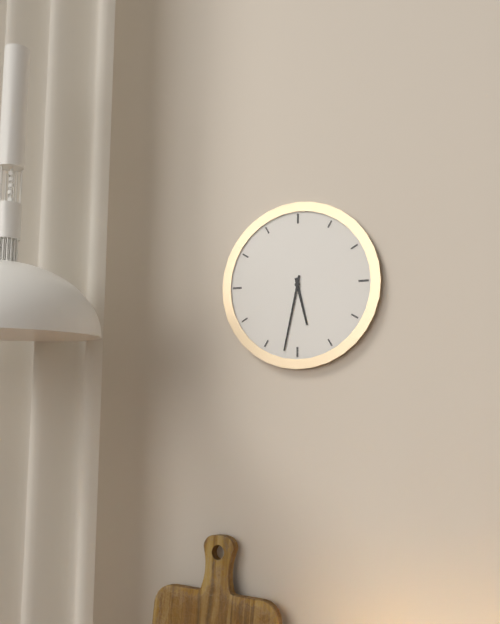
5:32
